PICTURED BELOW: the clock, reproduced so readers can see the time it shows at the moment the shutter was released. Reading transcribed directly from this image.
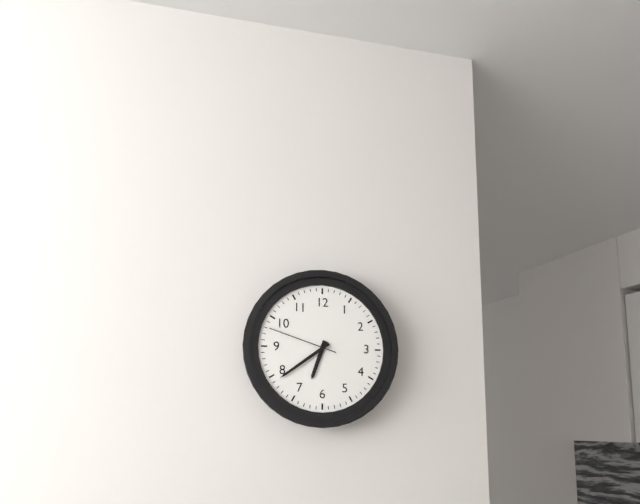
6:39:48
